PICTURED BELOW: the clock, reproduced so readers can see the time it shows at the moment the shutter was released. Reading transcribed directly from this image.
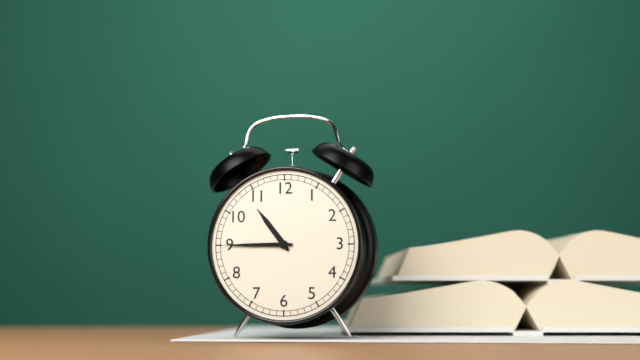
10:45
